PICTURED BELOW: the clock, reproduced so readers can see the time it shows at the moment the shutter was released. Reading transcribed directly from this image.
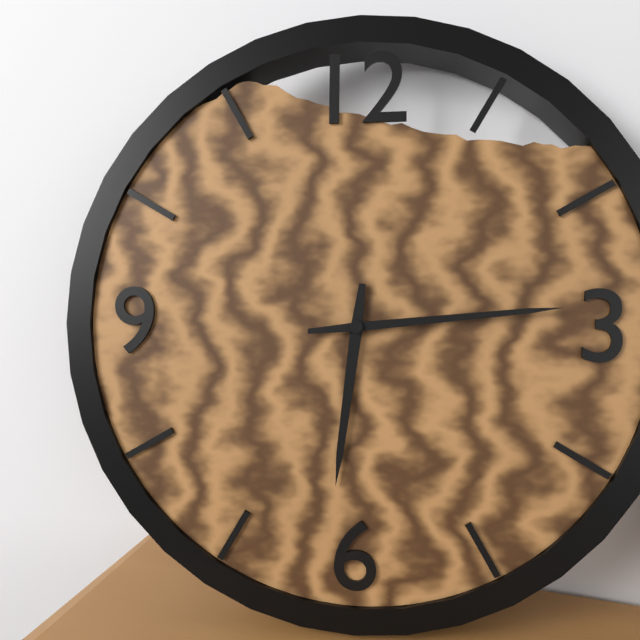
6:14
